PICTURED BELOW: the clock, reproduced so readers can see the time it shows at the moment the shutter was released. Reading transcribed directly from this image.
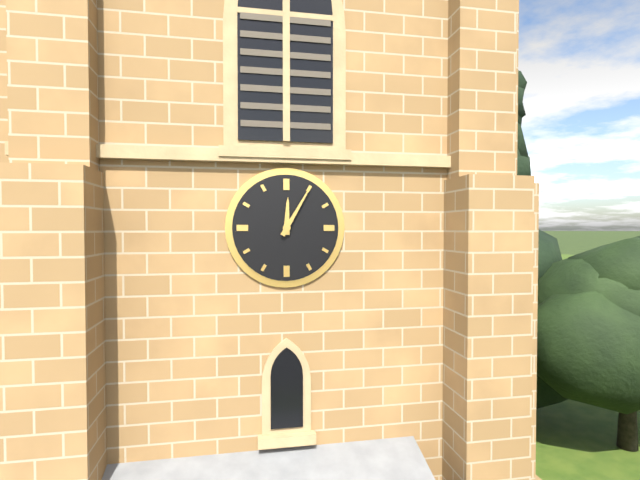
12:05
